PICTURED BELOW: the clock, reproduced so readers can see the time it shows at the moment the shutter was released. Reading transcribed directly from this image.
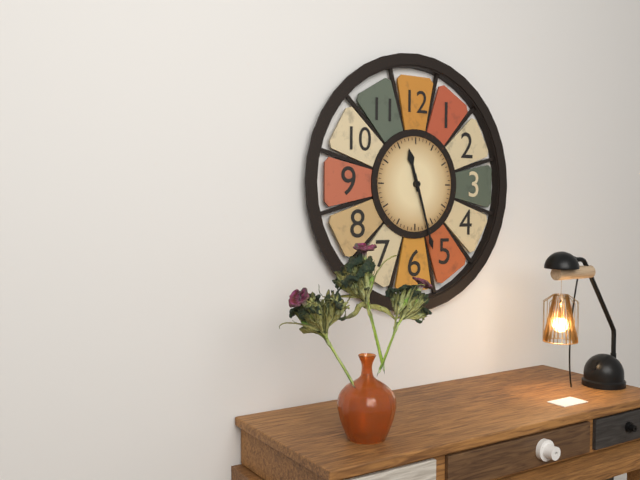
11:27
